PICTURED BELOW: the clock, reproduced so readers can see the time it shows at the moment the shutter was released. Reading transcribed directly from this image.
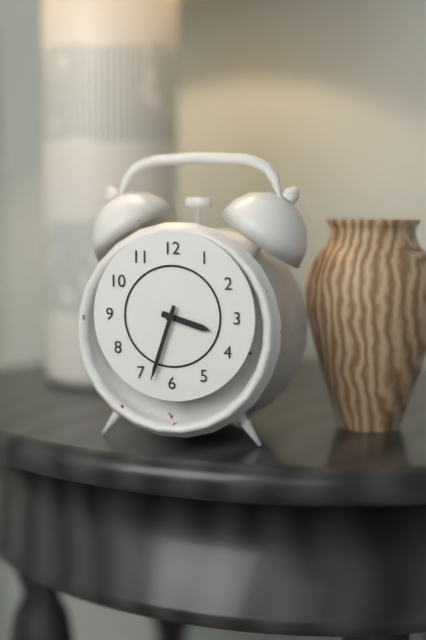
3:33
